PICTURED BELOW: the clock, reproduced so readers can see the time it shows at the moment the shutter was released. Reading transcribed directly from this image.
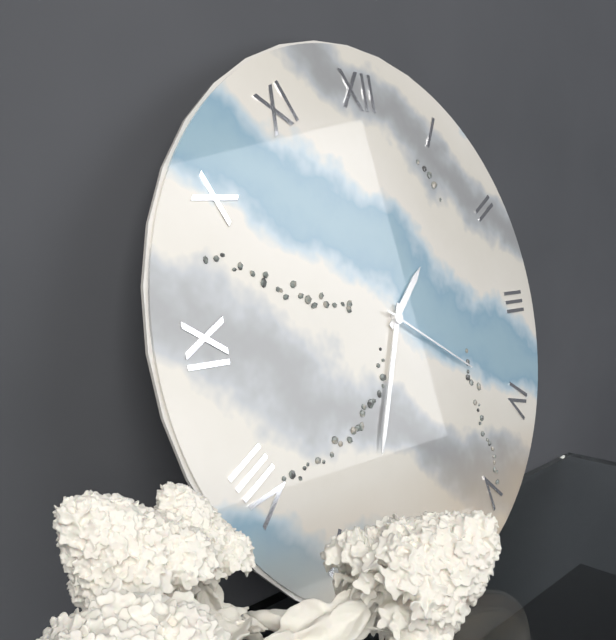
1:34:20
